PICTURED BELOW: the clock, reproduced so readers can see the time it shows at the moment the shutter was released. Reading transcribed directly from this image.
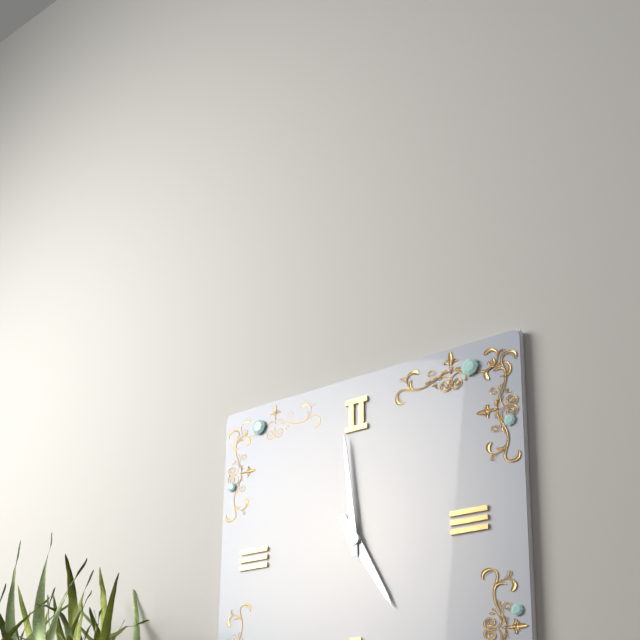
4:59
